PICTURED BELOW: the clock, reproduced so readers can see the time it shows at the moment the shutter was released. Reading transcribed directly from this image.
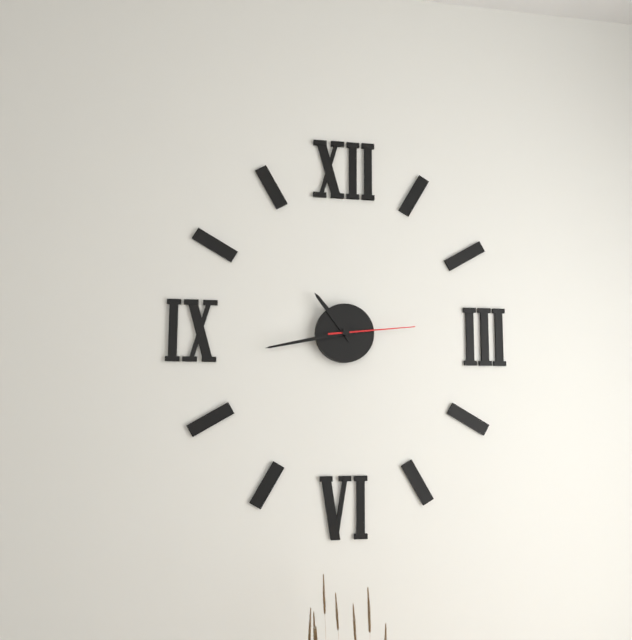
10:43:14
